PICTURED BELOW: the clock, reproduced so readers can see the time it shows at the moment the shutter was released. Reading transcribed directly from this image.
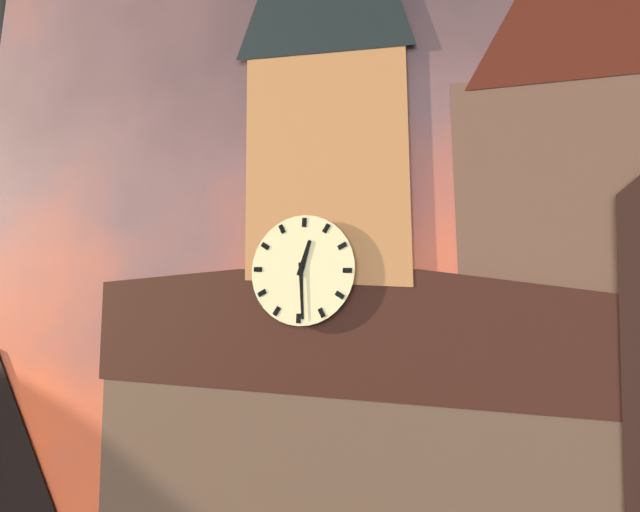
12:29
